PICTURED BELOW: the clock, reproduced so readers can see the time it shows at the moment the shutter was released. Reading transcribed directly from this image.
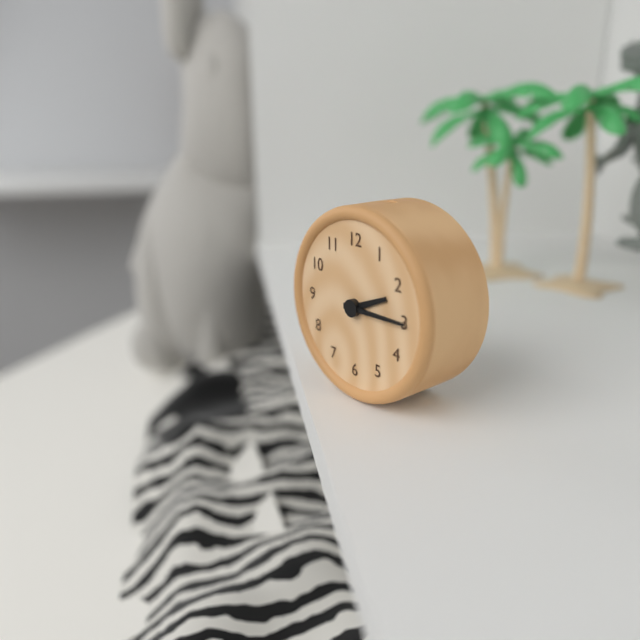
2:15
